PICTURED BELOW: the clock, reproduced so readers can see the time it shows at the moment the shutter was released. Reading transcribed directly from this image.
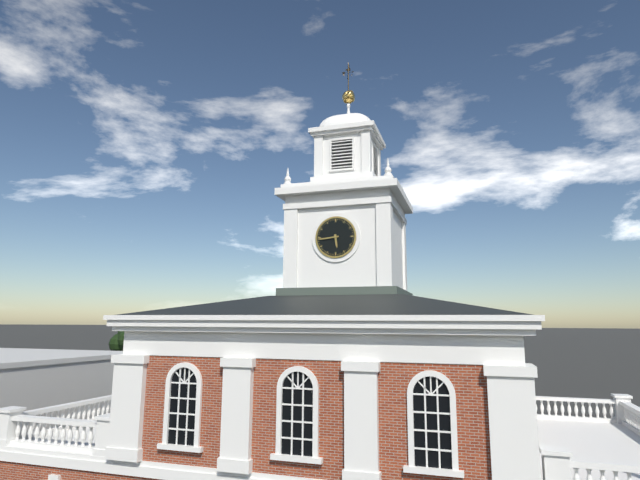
5:44
